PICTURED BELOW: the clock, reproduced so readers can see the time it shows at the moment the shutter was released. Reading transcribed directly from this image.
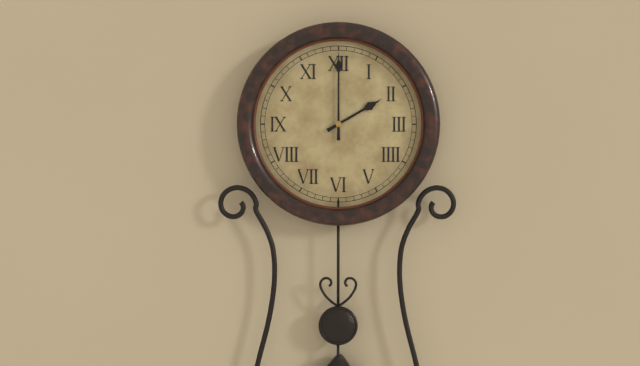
2:00
